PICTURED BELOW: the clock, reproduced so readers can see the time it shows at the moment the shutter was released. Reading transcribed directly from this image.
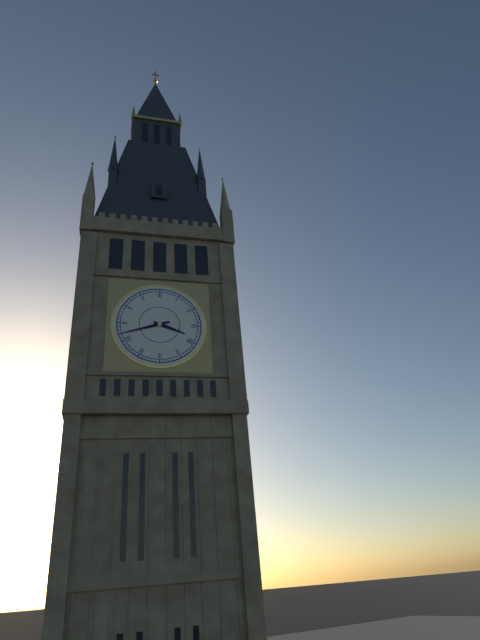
3:42
